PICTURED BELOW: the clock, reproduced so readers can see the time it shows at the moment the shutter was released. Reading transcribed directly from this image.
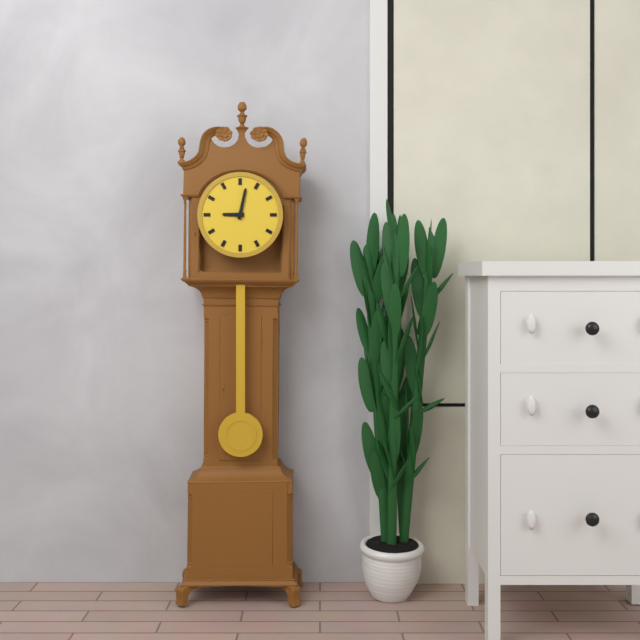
9:02
